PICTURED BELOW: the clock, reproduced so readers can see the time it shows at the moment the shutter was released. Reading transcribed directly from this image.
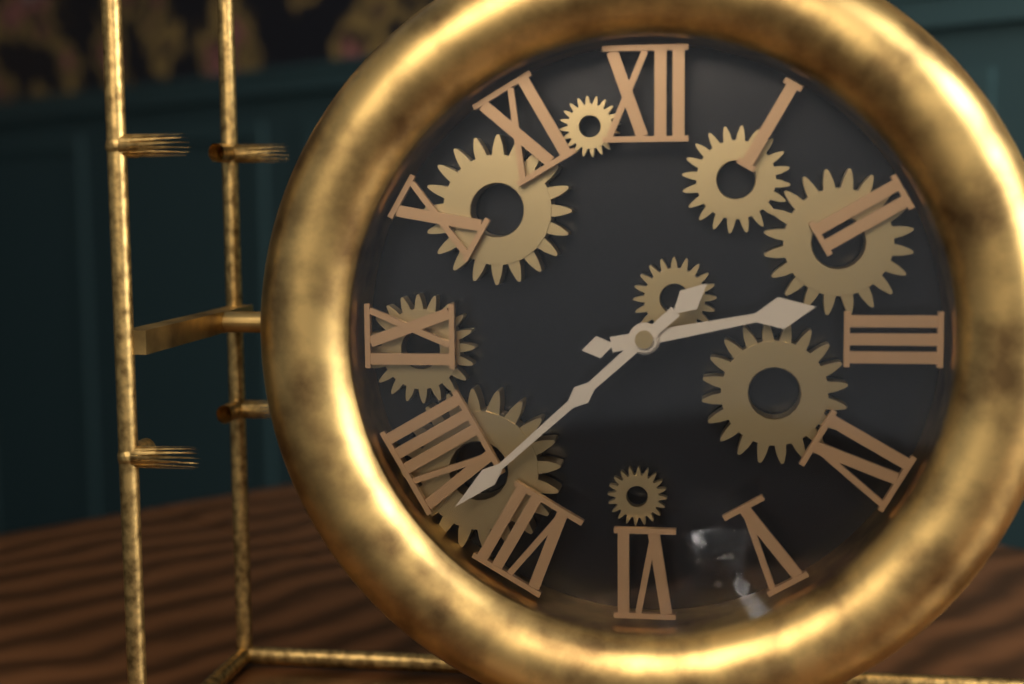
2:38
